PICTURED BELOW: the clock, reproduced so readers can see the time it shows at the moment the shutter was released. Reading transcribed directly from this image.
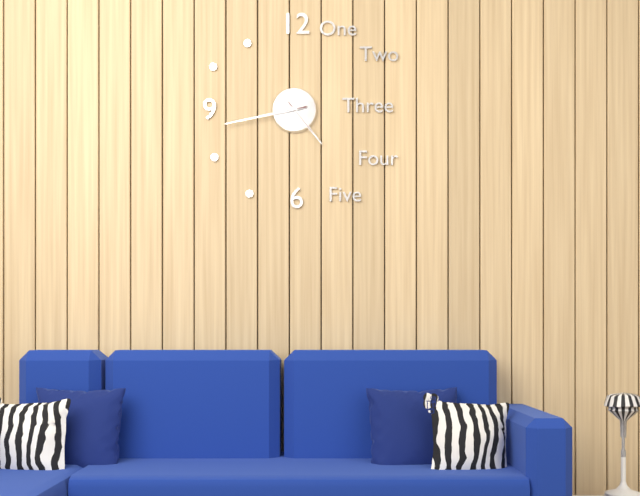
4:43
